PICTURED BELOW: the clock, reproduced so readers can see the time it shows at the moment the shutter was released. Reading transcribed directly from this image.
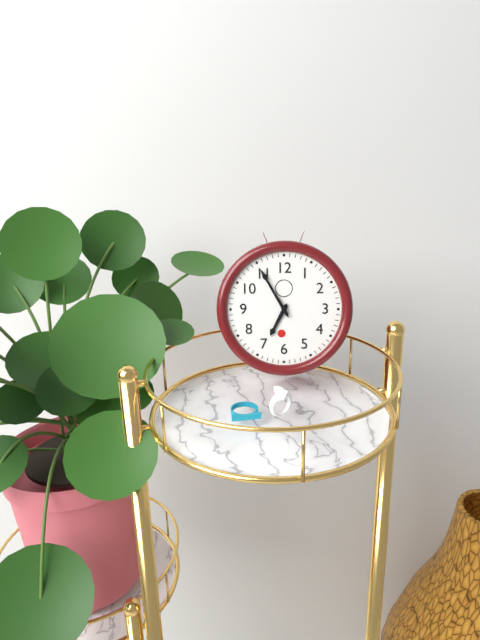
6:55
